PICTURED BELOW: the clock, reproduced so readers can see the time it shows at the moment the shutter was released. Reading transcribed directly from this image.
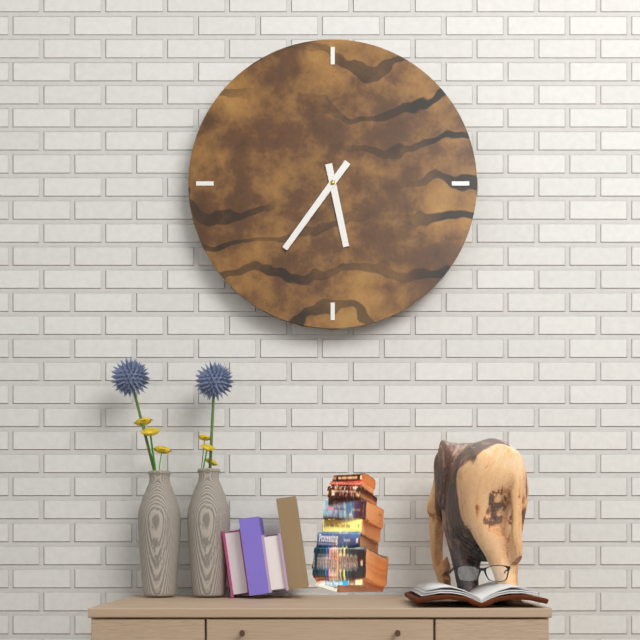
5:36
